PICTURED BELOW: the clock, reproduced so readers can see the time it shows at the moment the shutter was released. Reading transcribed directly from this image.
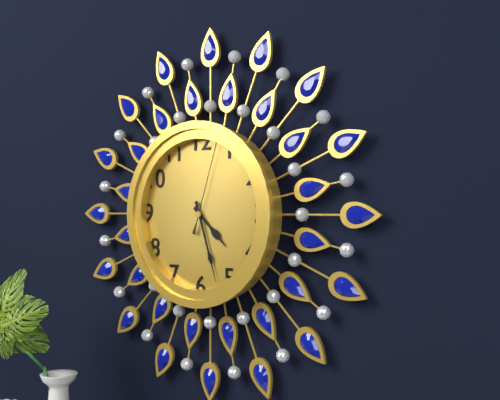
4:27:03
